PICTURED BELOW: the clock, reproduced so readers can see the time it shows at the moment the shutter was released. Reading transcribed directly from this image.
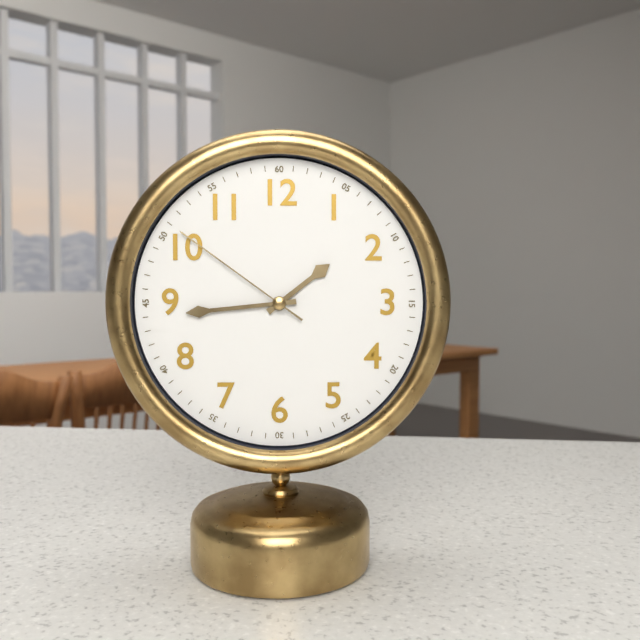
1:44:51
